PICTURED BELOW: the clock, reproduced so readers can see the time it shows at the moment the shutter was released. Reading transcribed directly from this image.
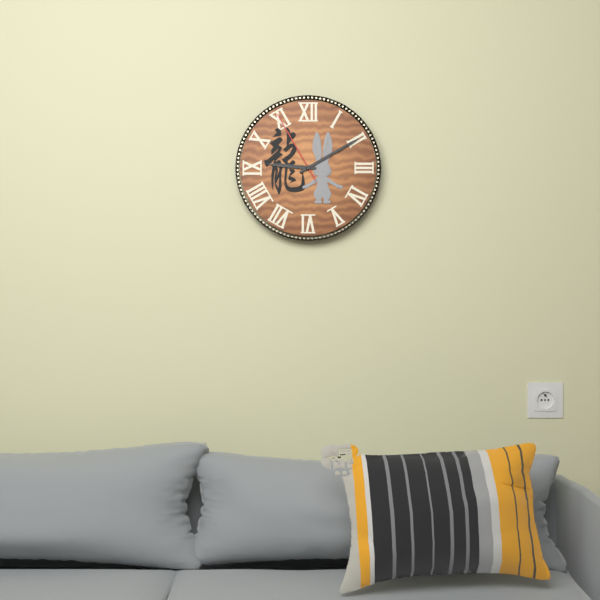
9:10:55
